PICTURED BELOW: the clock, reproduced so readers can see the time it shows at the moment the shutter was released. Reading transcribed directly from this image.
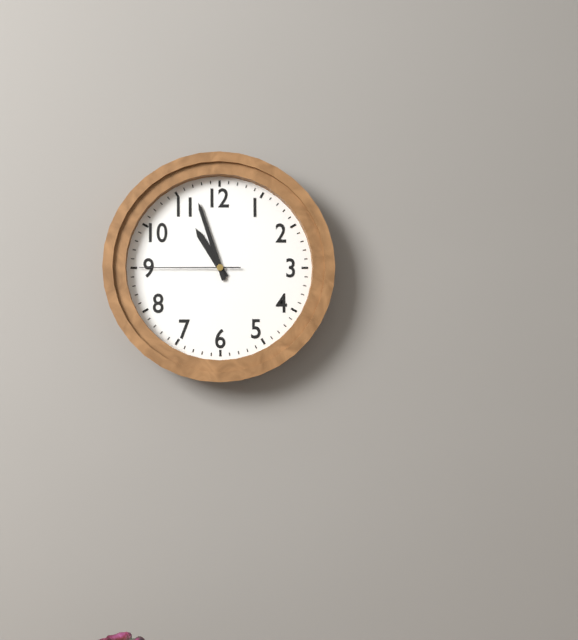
10:57:45
